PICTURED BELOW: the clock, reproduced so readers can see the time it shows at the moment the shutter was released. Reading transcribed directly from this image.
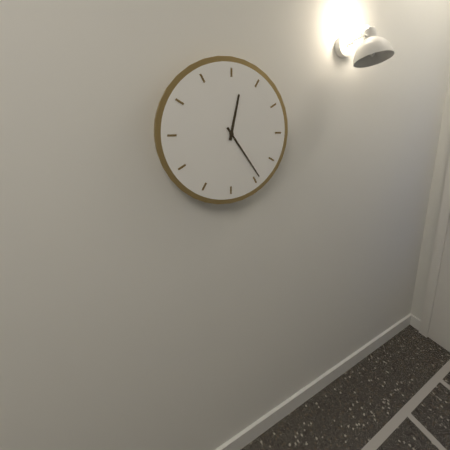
12:24
